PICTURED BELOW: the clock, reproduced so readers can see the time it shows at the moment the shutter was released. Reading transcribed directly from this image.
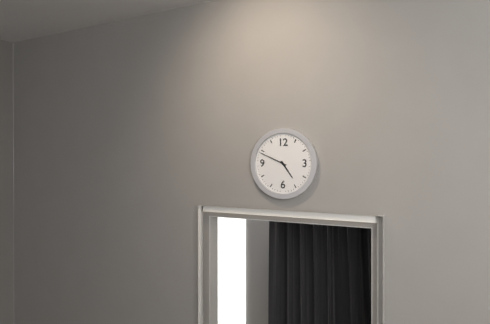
4:49
